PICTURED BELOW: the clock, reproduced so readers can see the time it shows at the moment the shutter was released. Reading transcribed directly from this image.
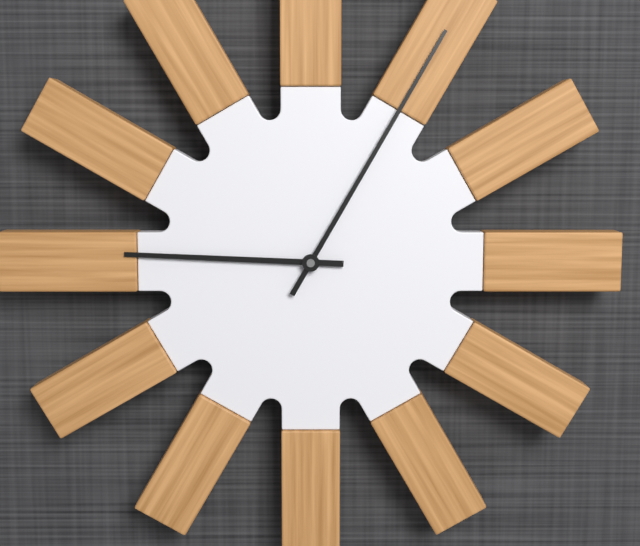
9:05
